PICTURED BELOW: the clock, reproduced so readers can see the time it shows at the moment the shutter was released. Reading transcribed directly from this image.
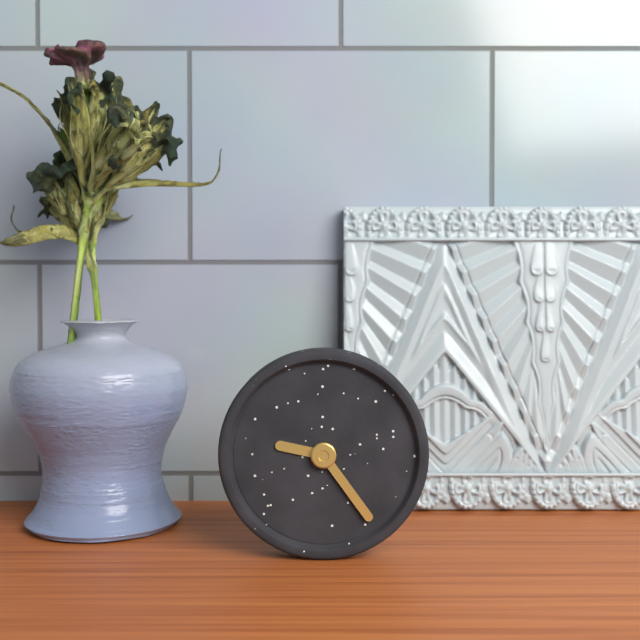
9:24
